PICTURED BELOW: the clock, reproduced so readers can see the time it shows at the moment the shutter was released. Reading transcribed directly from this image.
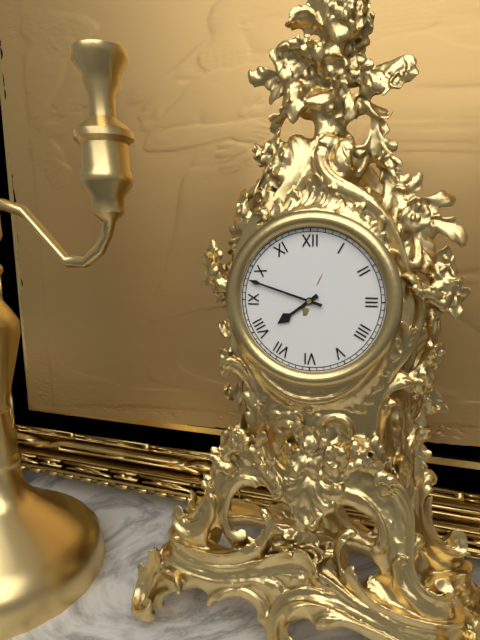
7:48
